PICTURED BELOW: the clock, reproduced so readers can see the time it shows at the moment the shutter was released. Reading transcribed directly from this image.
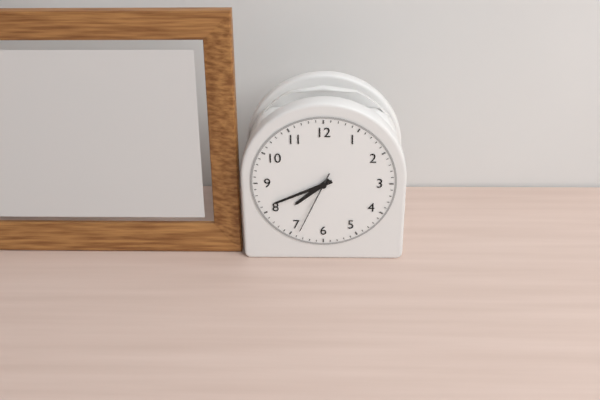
7:41:34
